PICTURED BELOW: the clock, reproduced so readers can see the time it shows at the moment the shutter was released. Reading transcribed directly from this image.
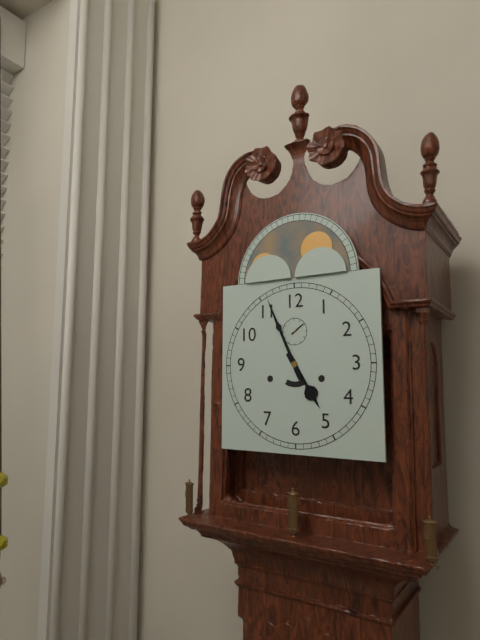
4:56
